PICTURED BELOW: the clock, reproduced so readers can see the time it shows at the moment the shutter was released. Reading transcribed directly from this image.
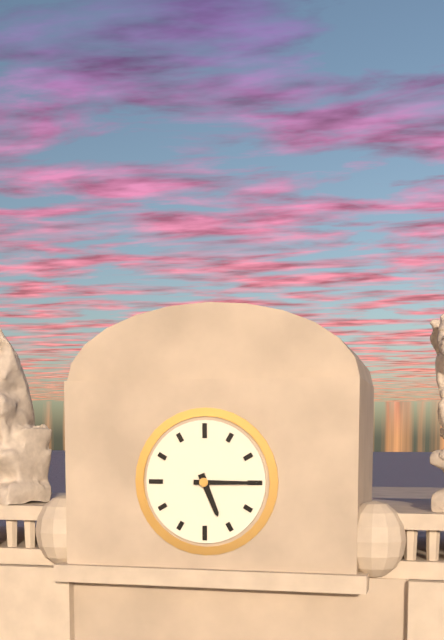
5:15
